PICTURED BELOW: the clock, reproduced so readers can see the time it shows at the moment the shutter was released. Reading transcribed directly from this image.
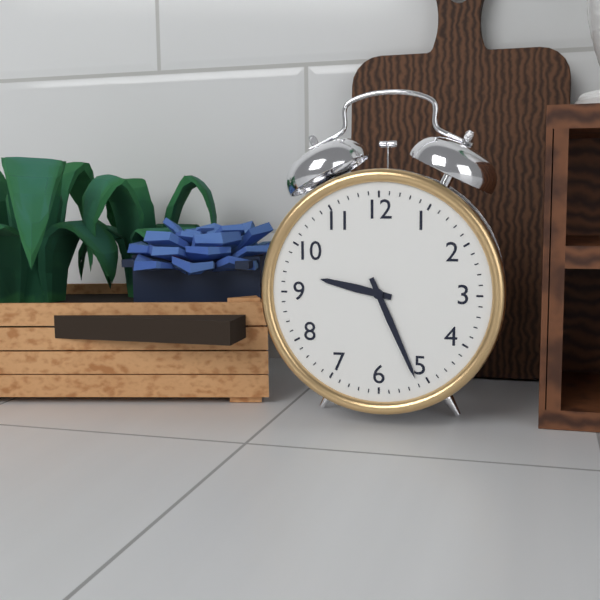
9:26
